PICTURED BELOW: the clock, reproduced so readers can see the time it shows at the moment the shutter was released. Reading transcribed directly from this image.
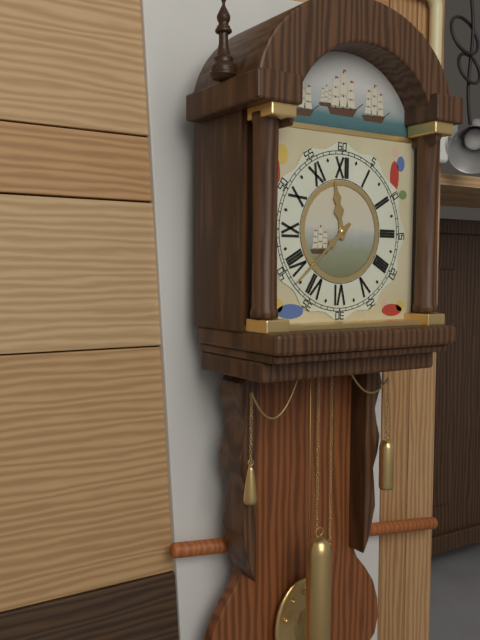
11:38
